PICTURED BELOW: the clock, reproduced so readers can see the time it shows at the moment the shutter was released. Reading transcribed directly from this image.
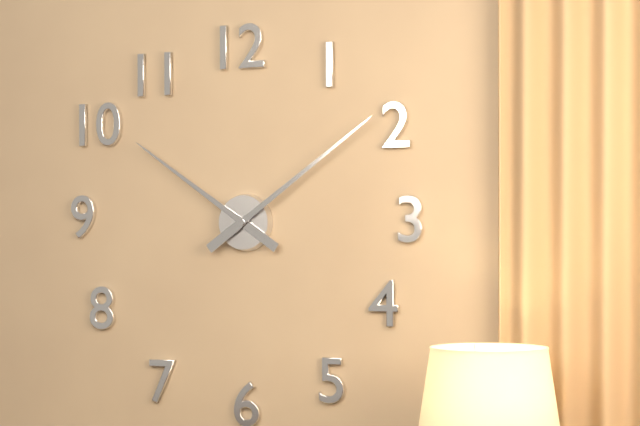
10:09
